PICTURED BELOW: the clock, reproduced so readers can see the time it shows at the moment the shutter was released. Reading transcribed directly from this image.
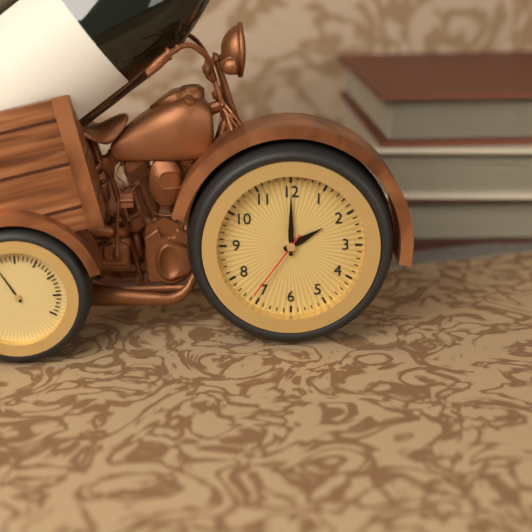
2:00:36
